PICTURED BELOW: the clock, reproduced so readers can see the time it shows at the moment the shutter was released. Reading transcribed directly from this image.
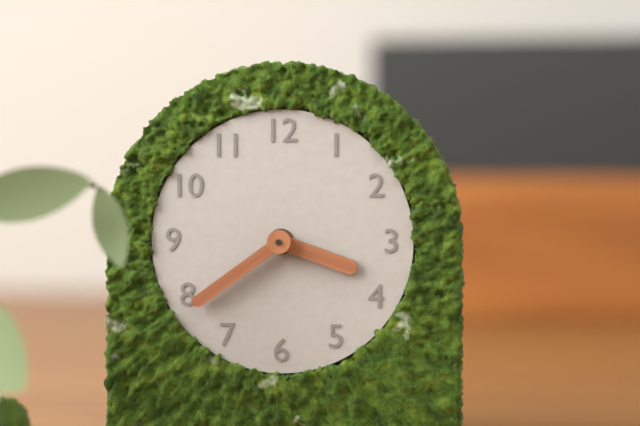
3:39
